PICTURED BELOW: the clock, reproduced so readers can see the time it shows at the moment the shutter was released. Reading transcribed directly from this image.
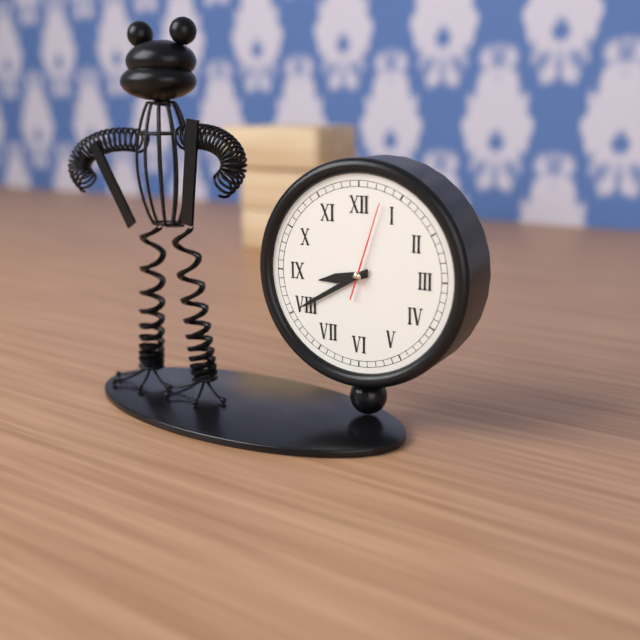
8:40:03
